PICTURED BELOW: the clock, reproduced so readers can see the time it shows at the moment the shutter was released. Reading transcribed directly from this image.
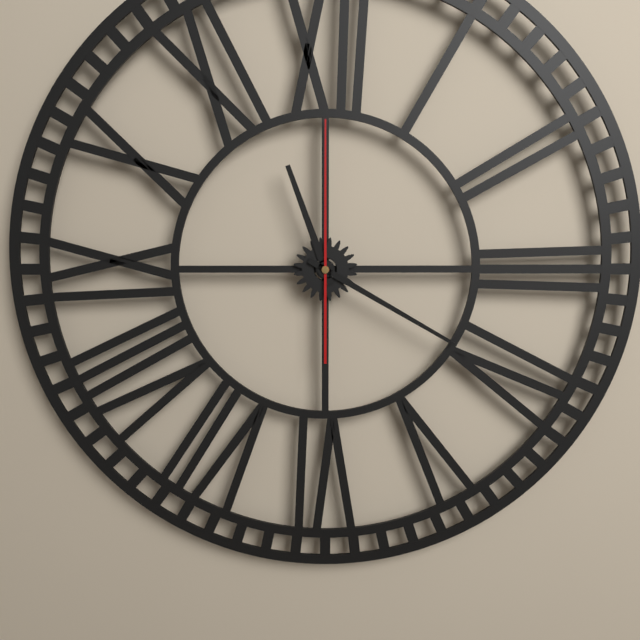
11:20:00
